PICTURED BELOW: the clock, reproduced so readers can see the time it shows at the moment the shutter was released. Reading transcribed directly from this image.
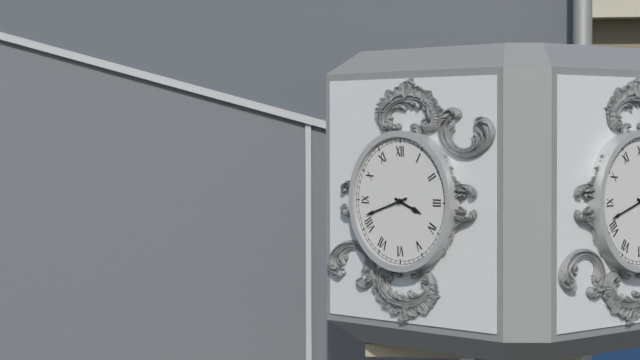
3:42
